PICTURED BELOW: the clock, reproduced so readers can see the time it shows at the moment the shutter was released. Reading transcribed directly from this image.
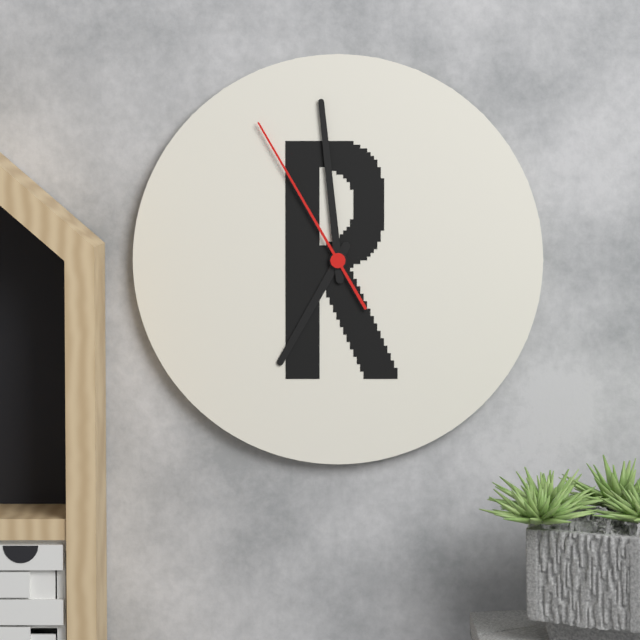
6:59:55
